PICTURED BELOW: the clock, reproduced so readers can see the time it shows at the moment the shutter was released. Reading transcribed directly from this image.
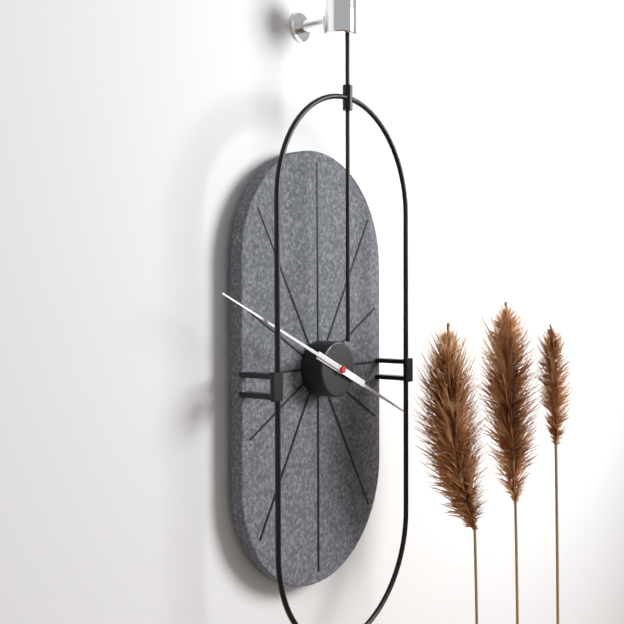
3:49
